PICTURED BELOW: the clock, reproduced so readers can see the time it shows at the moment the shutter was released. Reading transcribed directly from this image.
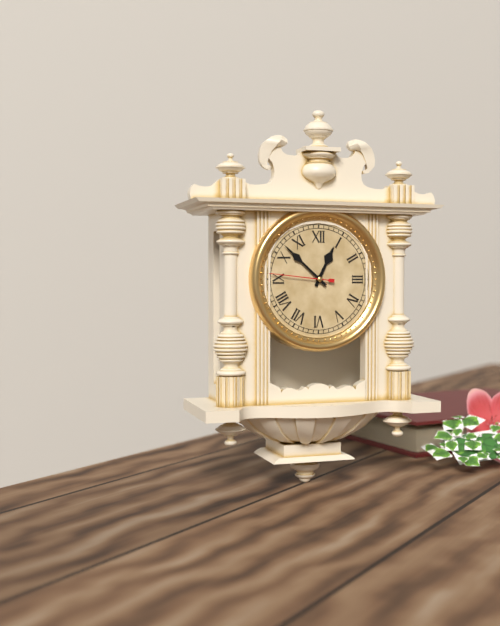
12:52:46
